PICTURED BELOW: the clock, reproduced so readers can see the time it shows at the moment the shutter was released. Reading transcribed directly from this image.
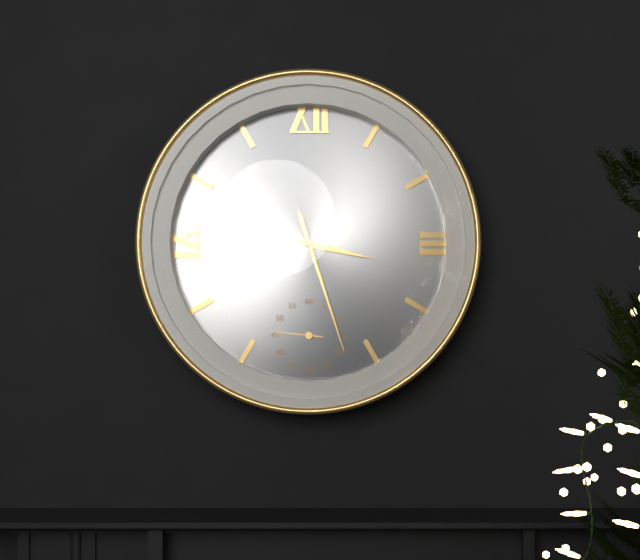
3:27
